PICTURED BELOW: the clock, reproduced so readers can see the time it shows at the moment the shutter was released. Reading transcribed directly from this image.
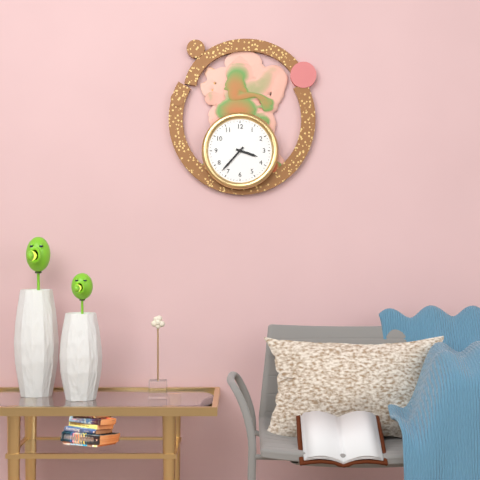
3:37
